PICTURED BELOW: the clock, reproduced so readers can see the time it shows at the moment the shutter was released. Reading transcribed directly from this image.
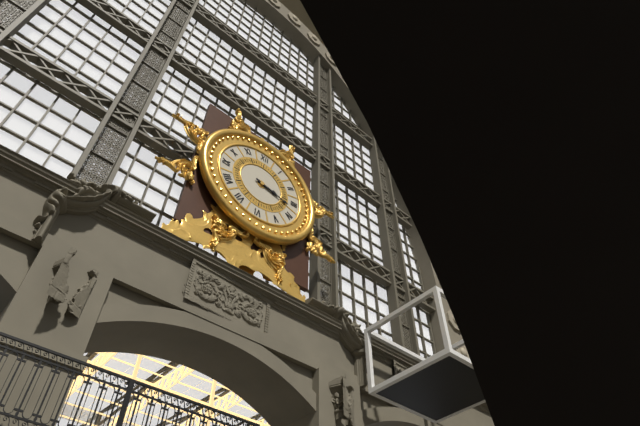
3:17
